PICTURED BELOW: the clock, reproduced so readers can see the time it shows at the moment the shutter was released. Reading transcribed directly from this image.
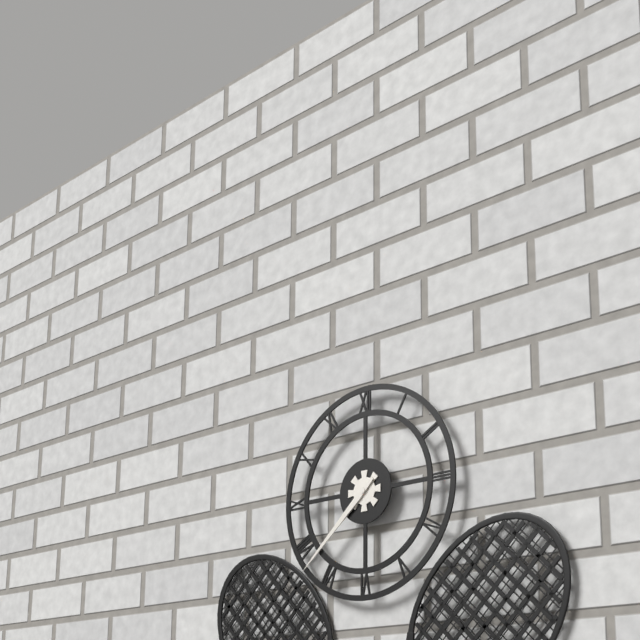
7:38
